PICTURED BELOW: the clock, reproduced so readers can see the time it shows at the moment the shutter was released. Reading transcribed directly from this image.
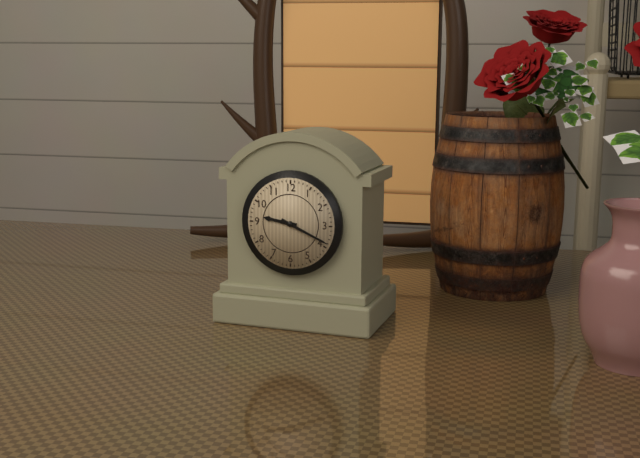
9:19
